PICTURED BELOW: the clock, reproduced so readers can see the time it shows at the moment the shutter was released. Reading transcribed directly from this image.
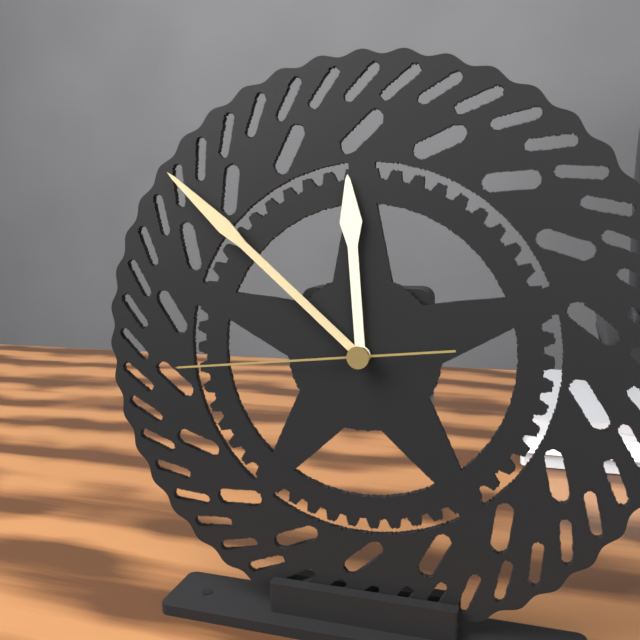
11:52:44
